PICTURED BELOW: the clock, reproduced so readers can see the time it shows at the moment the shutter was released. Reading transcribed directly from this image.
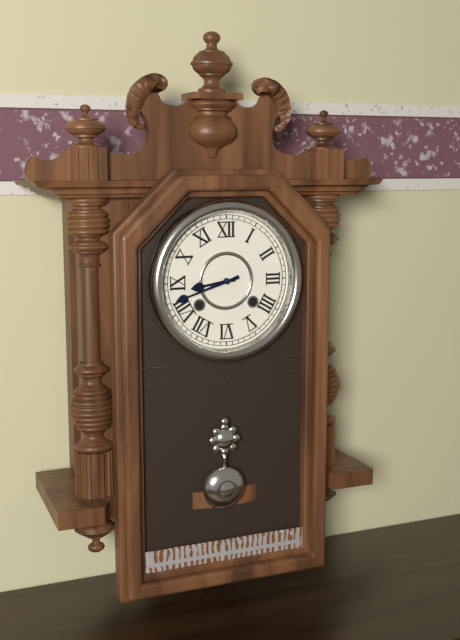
8:42
